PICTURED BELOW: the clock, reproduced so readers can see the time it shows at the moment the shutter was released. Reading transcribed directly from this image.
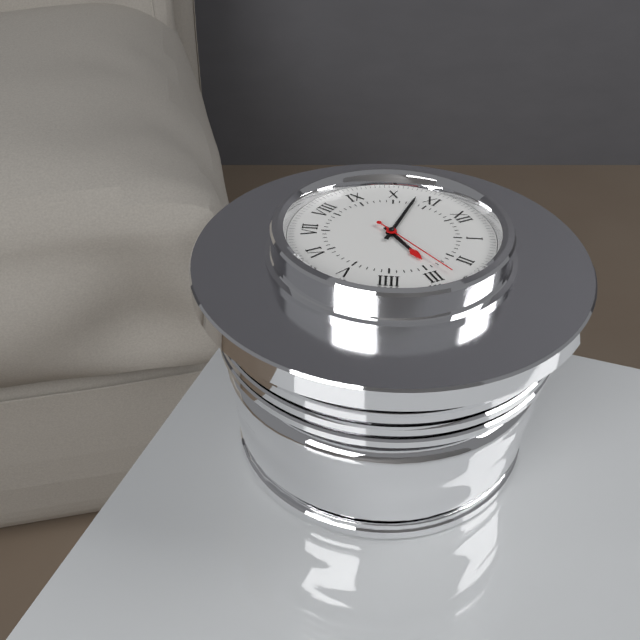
2:53:13
